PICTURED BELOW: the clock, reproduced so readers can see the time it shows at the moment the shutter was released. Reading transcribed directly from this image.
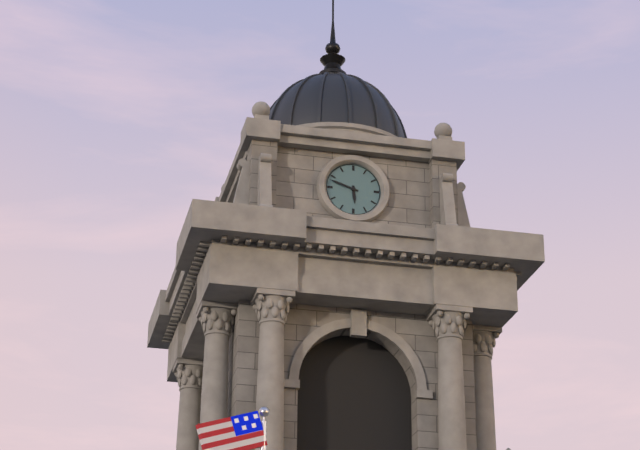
5:48
